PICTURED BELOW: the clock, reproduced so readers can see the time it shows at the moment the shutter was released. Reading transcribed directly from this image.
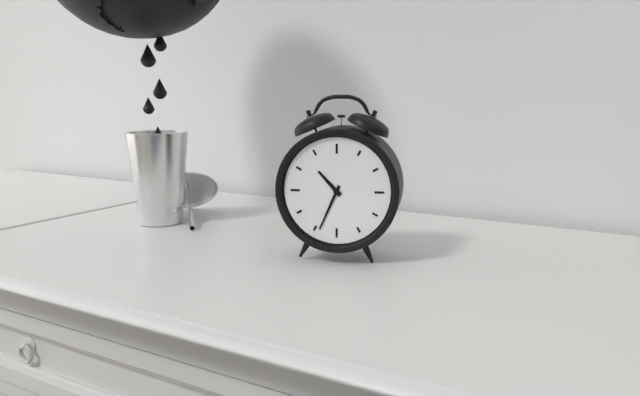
10:34
